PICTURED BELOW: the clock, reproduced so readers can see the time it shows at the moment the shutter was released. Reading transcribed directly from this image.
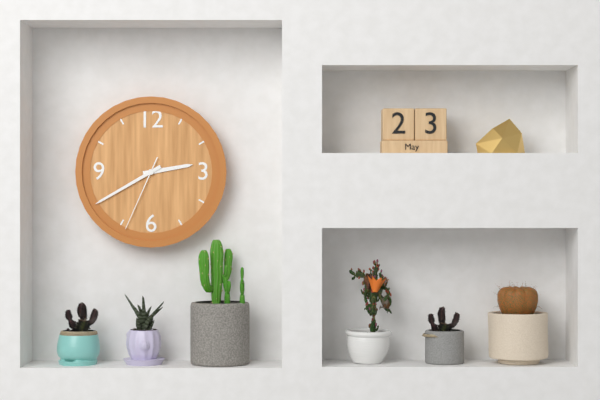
2:40:34
